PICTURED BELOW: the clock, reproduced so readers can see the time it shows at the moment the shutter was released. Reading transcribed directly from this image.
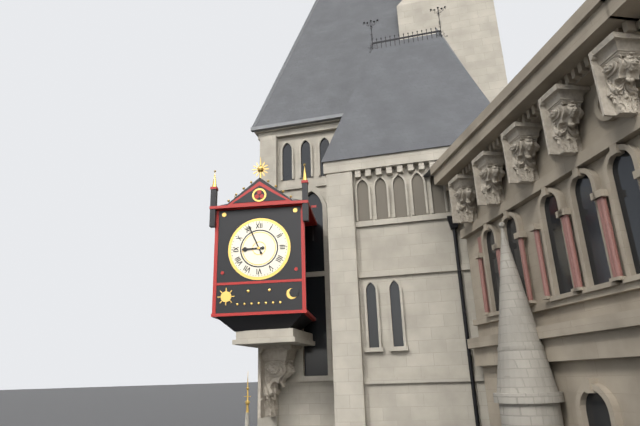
8:56
